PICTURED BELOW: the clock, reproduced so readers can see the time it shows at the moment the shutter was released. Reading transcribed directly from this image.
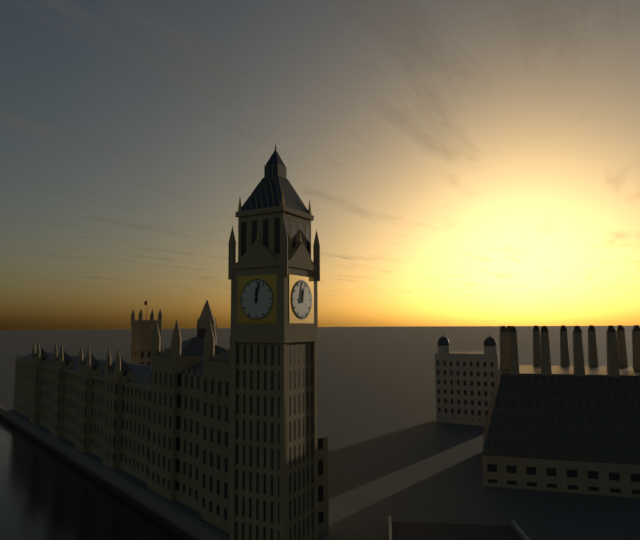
12:02
